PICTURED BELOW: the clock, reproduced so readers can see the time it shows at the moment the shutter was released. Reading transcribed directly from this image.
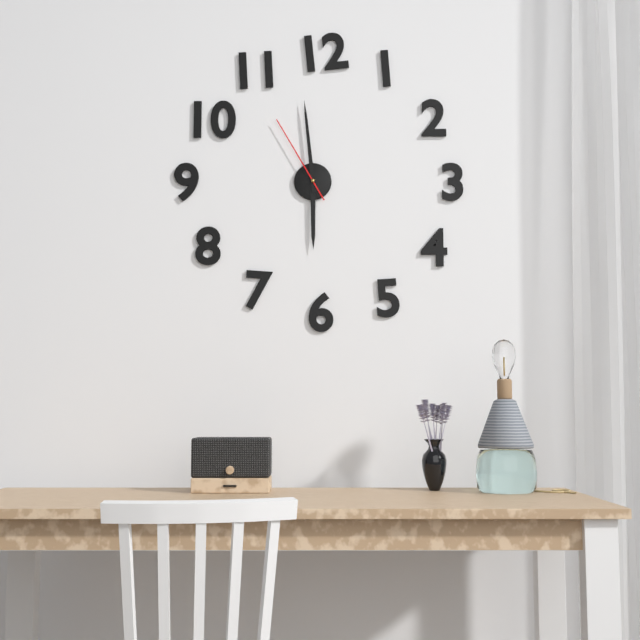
5:59:55
